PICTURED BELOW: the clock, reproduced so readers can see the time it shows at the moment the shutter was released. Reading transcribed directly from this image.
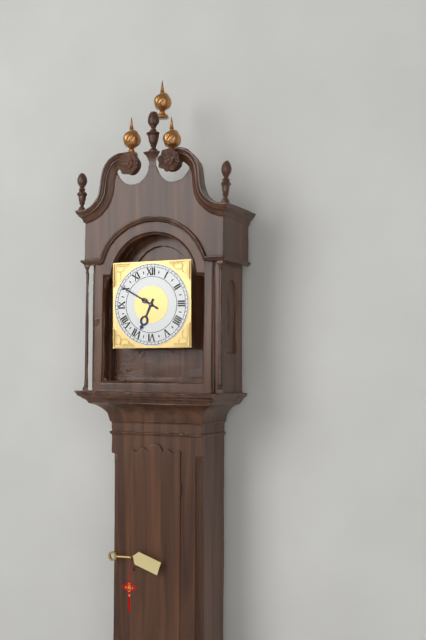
6:50
